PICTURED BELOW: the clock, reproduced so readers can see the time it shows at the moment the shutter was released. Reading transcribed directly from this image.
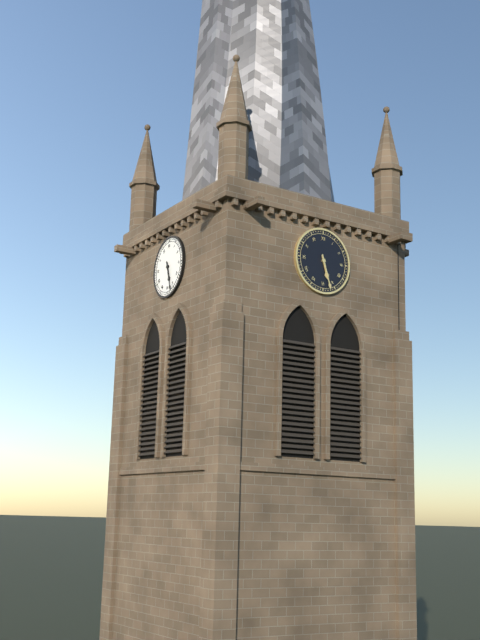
5:27
